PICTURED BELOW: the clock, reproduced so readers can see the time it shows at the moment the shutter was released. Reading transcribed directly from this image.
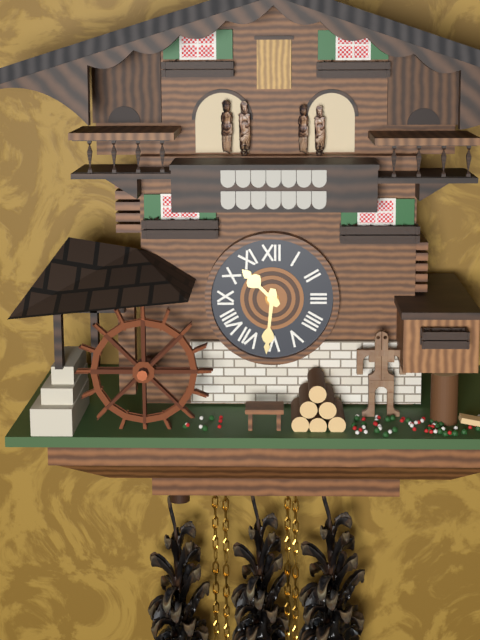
10:31
